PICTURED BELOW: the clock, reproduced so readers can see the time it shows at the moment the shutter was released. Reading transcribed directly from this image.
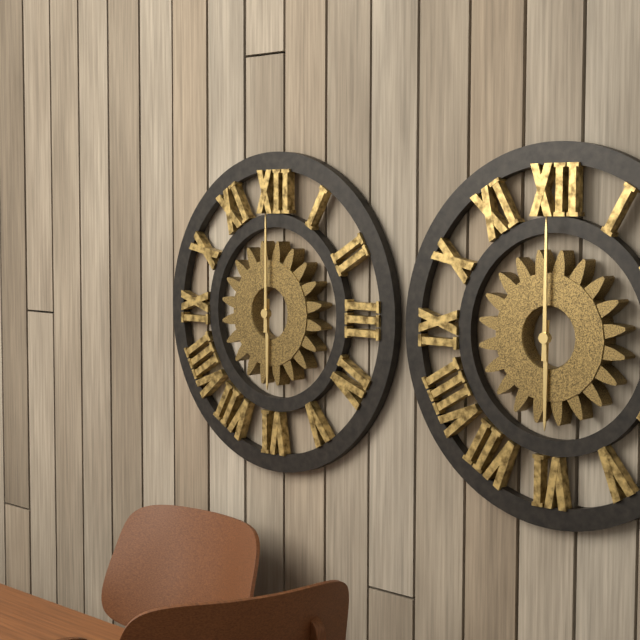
6:00
